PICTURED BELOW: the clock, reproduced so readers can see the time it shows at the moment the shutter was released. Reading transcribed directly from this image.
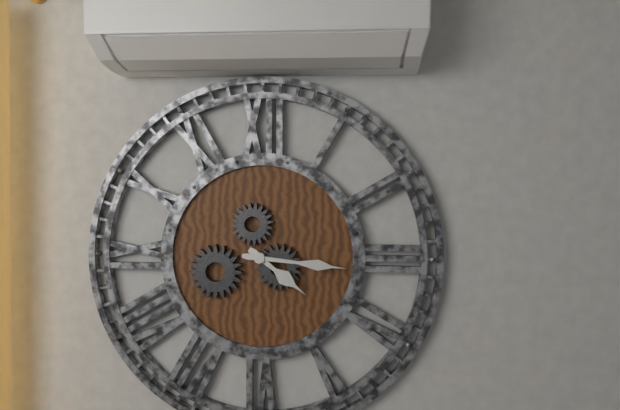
4:16
